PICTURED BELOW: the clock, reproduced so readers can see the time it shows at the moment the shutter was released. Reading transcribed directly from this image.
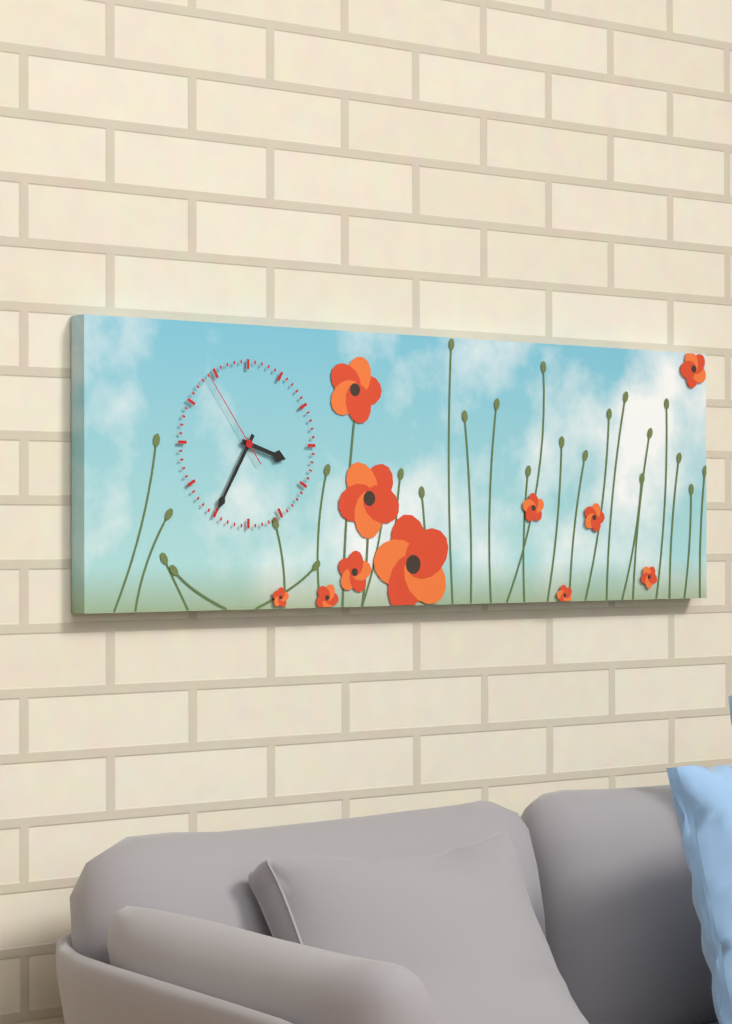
3:35:54
